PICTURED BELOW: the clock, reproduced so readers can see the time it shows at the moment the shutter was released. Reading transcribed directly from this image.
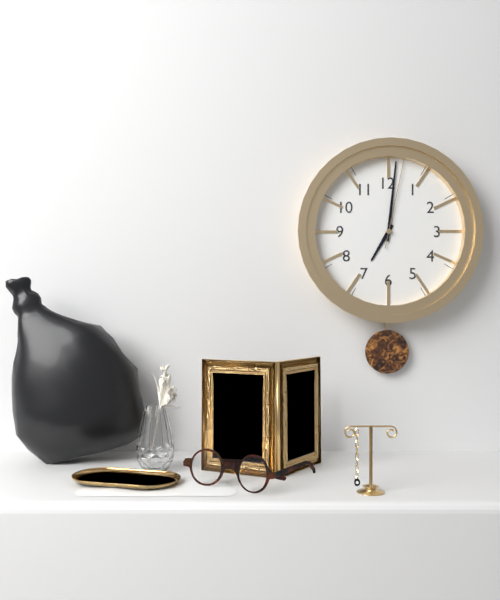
7:01:02
